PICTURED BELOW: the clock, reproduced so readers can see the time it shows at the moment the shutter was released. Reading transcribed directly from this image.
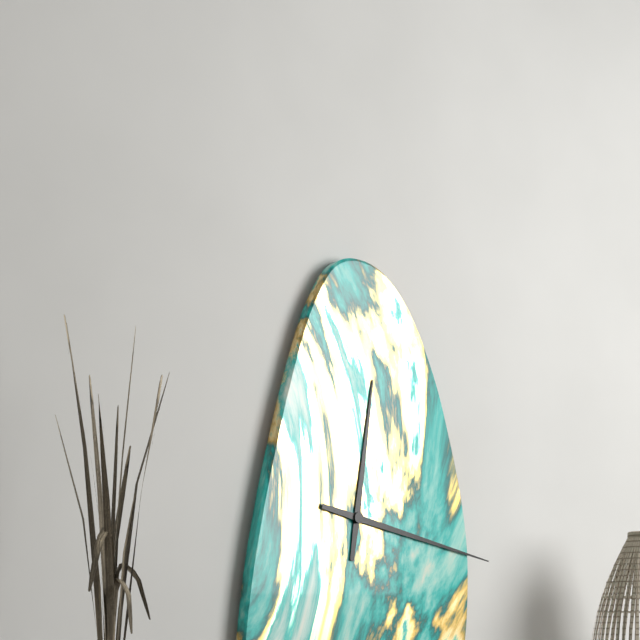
12:17
